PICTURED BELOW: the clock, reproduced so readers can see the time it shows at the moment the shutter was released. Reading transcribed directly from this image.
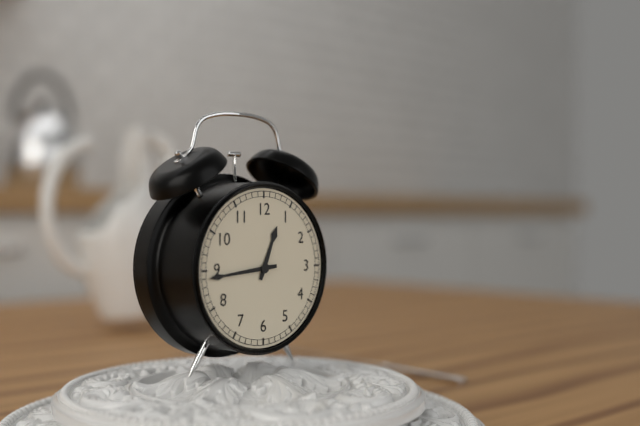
12:44
